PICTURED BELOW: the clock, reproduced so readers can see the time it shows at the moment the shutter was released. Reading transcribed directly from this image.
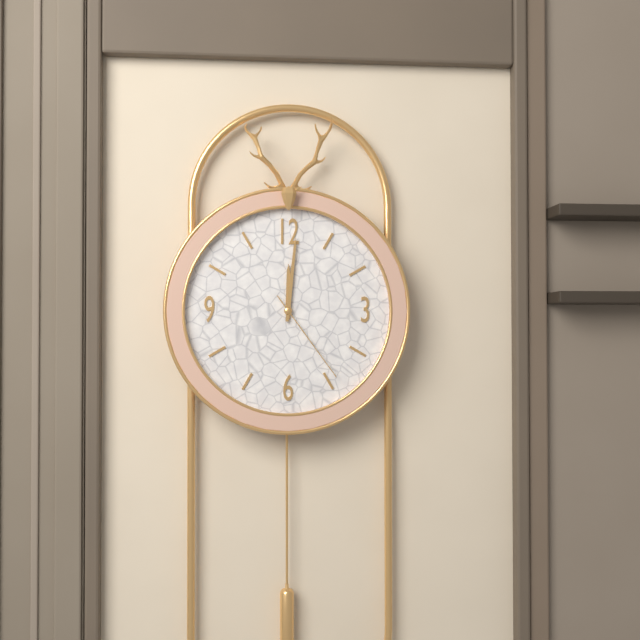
12:01:24
